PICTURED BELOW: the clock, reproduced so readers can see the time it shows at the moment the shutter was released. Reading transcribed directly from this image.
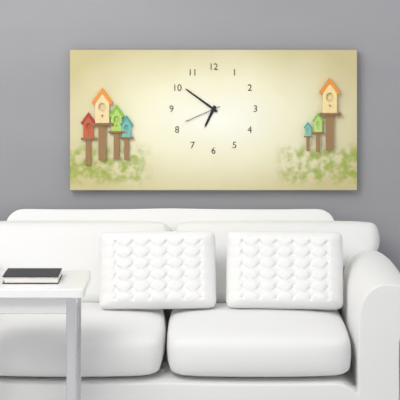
6:51
